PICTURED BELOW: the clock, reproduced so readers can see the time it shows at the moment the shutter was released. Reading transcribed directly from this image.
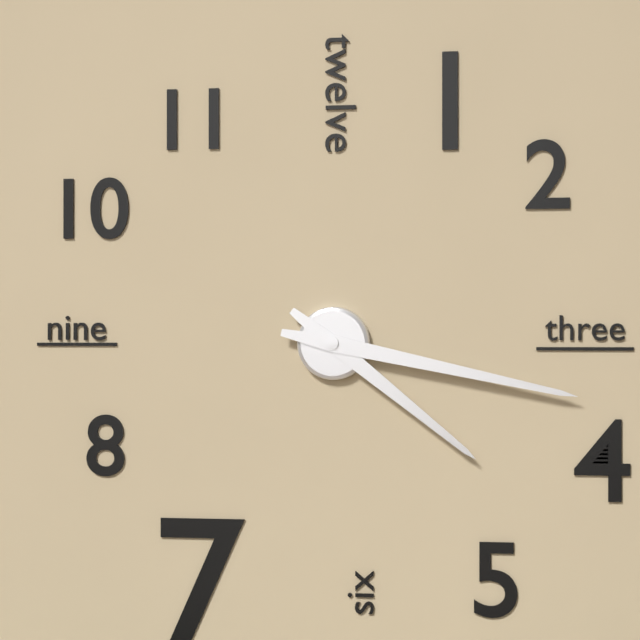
4:17
